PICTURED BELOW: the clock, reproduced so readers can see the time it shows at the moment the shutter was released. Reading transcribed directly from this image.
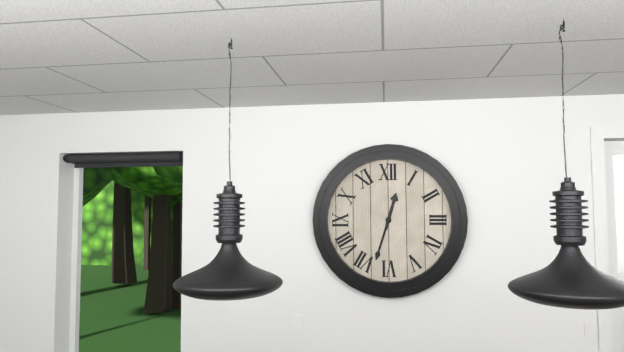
12:33
